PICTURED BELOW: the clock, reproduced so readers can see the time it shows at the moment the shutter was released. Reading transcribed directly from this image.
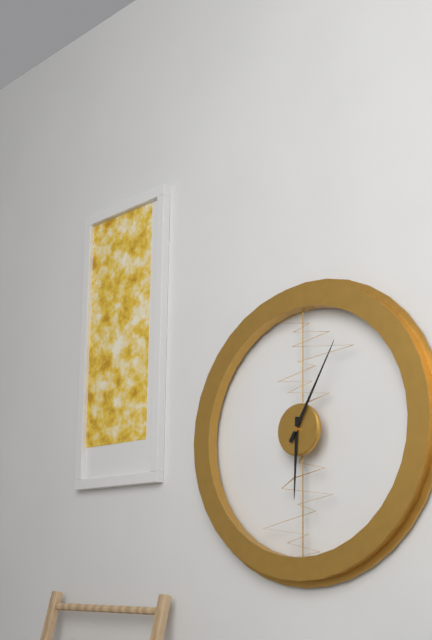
6:05
